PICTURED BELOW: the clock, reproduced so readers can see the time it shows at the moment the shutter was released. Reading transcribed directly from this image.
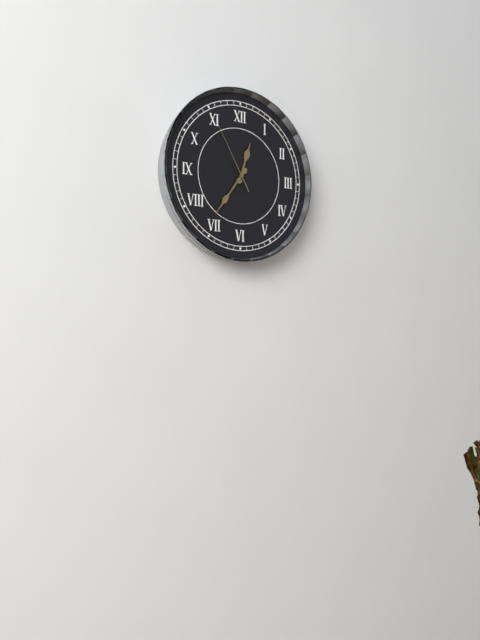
12:36:55
